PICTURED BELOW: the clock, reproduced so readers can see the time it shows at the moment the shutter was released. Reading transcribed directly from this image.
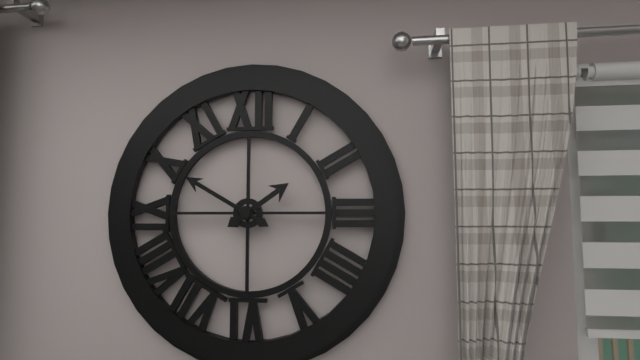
1:50
